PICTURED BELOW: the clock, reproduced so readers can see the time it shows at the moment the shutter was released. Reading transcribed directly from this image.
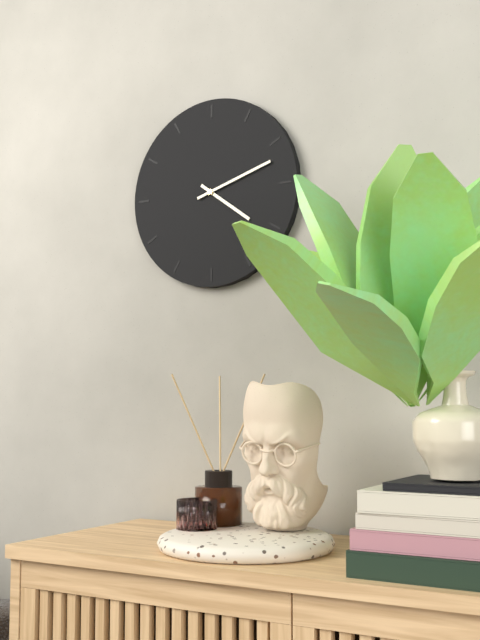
4:12
